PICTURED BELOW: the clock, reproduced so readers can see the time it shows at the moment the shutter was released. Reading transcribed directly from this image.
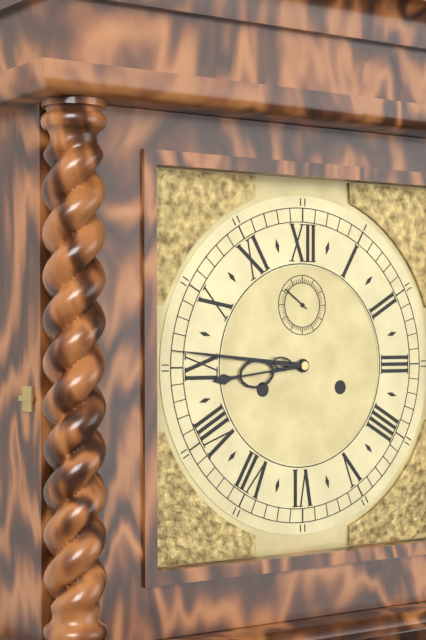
8:46
